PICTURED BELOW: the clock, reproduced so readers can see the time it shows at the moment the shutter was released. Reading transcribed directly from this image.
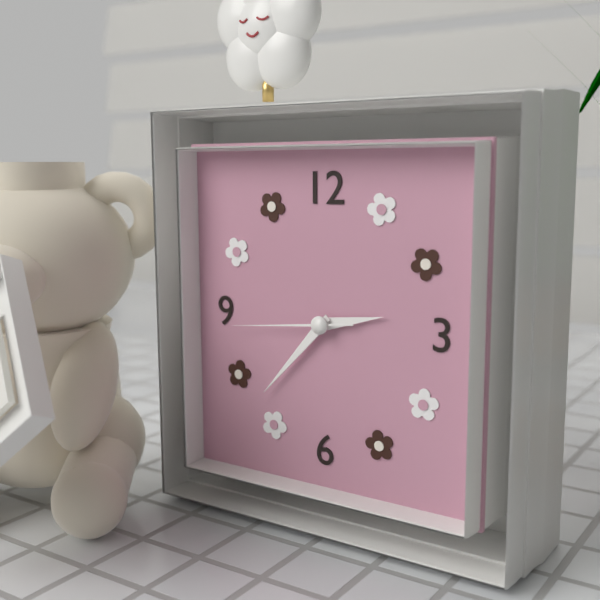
2:37:44
